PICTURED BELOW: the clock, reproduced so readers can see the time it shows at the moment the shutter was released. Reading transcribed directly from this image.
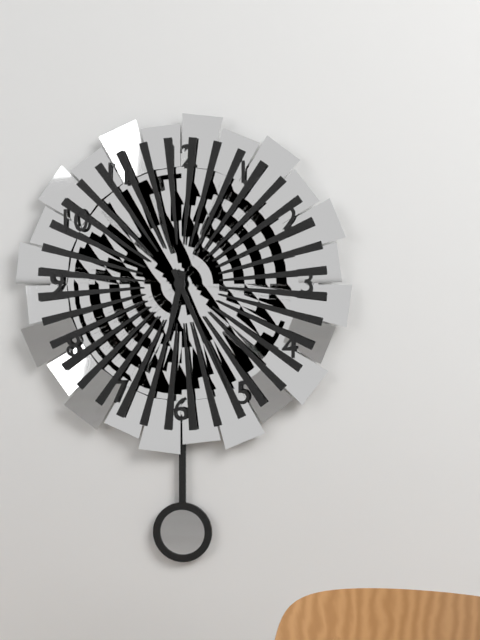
6:26
